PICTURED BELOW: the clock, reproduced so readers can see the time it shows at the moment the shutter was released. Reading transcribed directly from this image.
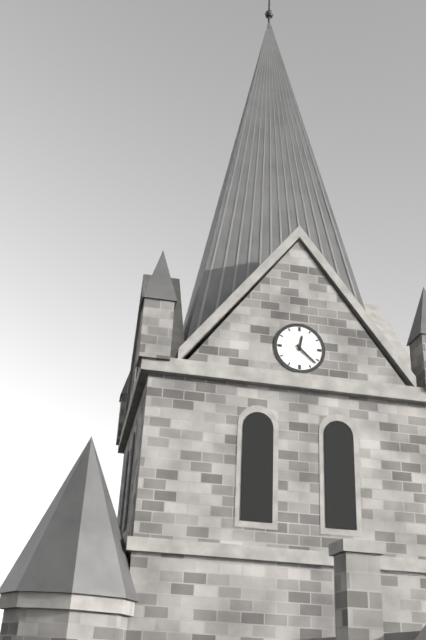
12:22
